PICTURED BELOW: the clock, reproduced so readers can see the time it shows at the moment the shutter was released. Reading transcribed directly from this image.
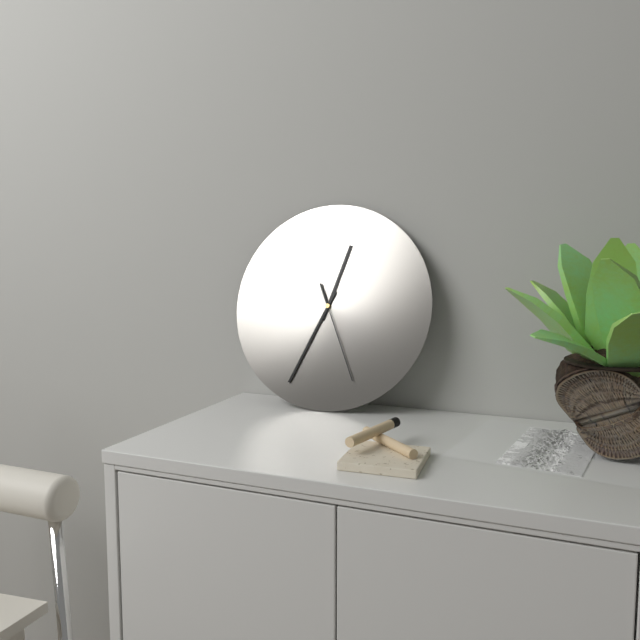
12:34:26
